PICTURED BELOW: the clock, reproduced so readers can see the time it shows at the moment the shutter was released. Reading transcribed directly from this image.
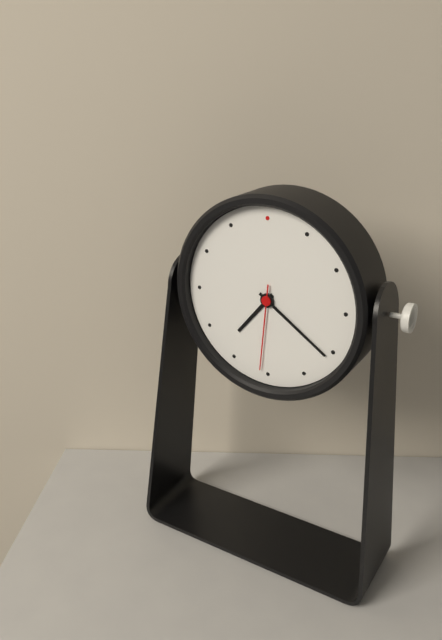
7:21:31
